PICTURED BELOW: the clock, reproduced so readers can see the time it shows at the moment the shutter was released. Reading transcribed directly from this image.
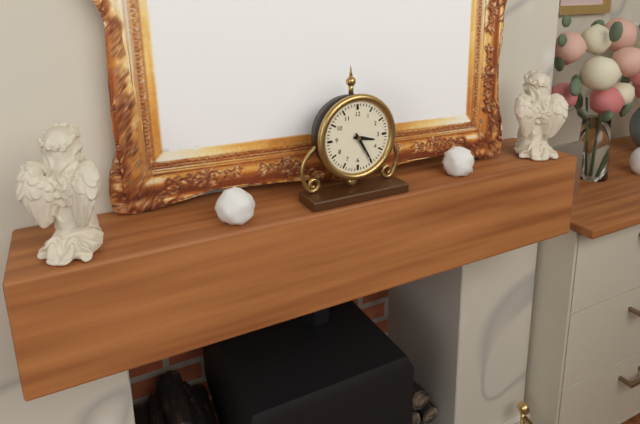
3:25
